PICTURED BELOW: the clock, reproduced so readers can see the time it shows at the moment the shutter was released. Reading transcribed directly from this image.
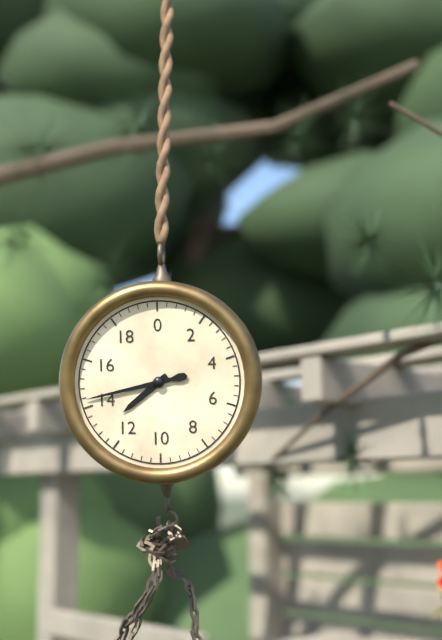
7:43
